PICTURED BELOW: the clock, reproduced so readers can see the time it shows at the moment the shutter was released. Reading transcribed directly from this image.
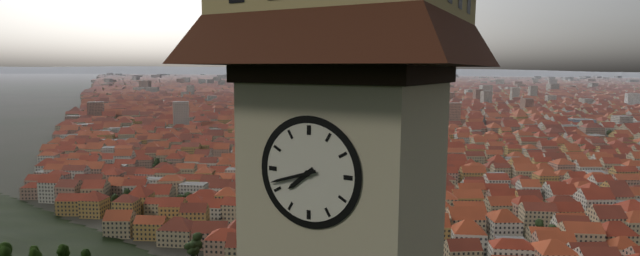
7:42
